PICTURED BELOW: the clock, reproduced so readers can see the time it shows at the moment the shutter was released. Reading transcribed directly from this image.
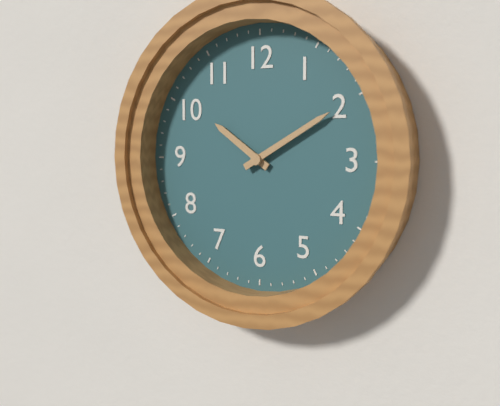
10:10
